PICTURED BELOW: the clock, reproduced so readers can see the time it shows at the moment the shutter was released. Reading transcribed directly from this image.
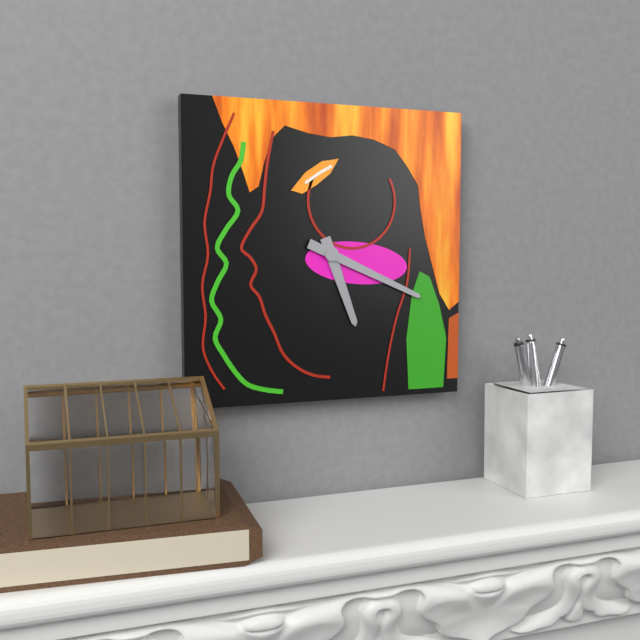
5:19
